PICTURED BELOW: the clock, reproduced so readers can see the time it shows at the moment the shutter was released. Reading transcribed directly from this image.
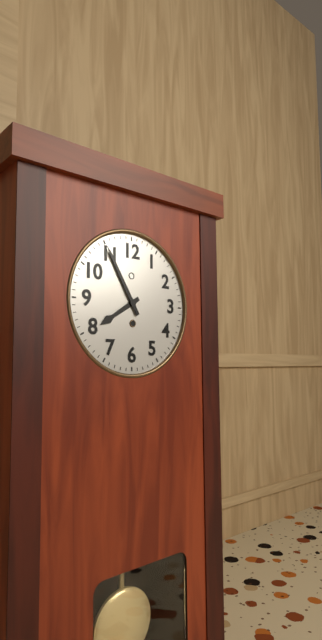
7:55
